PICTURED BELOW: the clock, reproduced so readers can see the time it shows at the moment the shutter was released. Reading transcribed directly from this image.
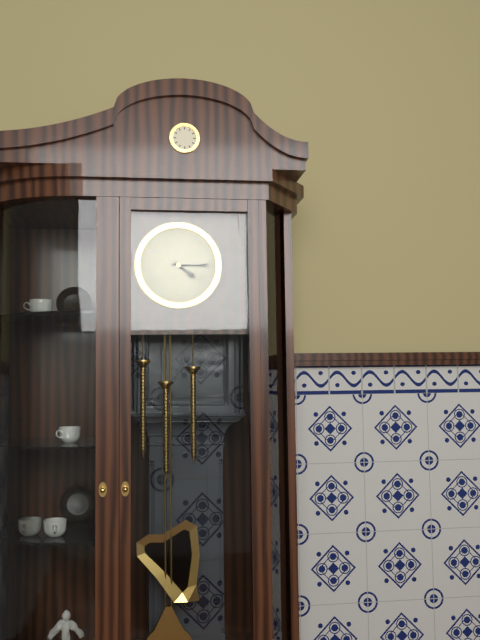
4:15
